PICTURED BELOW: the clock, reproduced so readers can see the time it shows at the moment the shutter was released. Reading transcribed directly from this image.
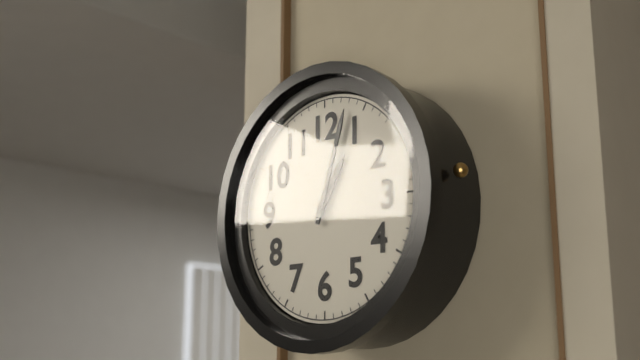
1:03
